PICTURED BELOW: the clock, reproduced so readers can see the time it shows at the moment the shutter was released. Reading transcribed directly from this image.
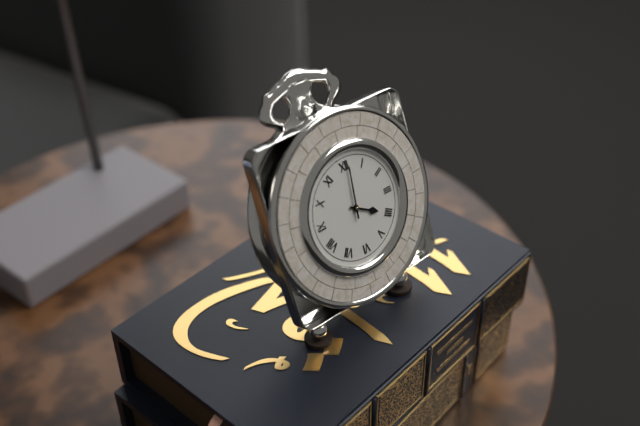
4:01
